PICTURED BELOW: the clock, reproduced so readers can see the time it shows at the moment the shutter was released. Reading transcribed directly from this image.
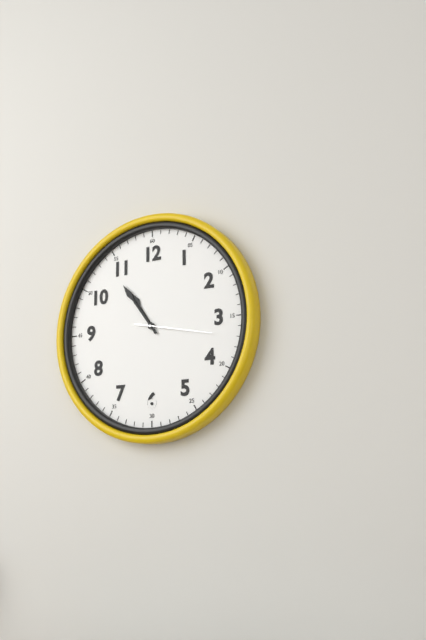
10:54:17
